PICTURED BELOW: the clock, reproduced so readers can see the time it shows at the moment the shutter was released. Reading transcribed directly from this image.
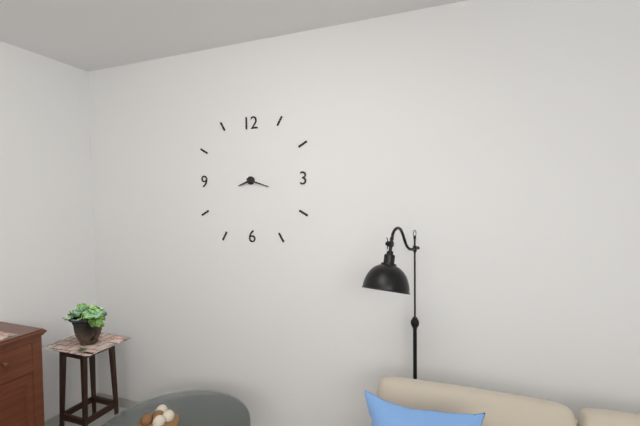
8:18
